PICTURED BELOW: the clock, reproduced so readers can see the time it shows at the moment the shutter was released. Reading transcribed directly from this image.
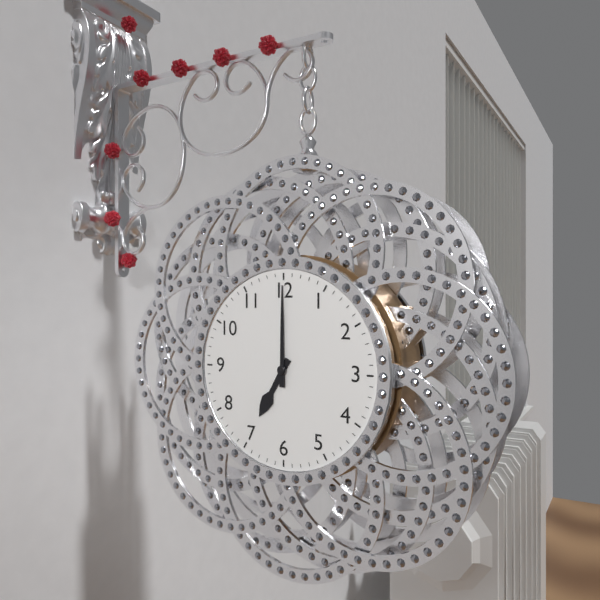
7:00
